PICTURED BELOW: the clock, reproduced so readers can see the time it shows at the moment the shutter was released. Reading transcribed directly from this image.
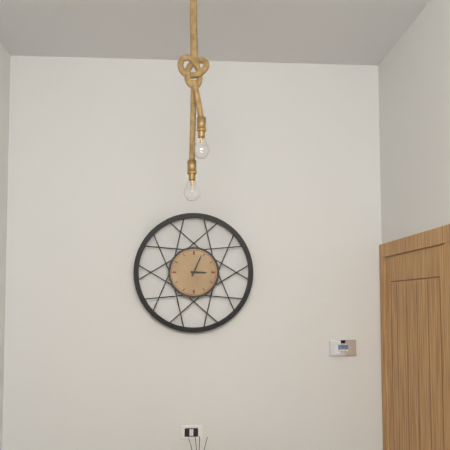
3:04
